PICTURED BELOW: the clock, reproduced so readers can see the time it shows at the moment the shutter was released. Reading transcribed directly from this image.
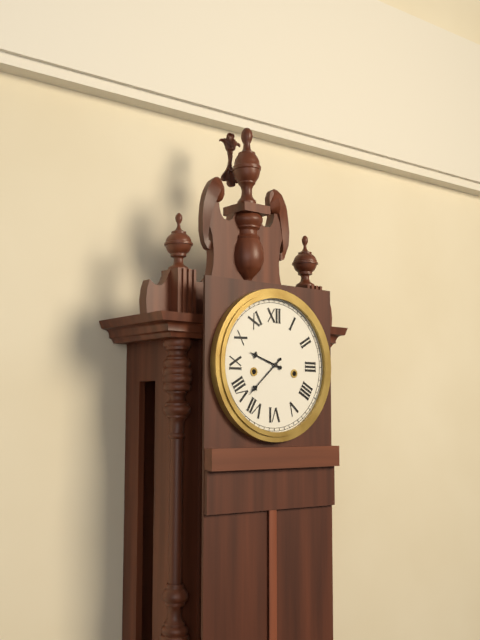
9:38
